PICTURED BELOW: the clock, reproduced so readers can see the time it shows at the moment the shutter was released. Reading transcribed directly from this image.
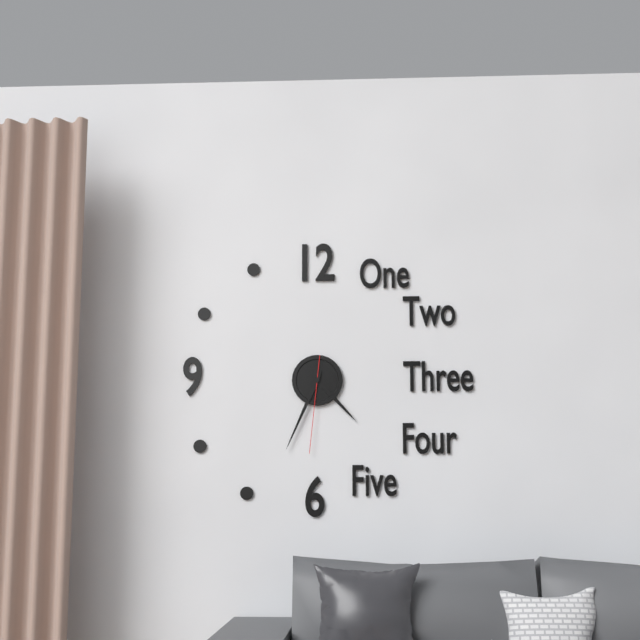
4:34:31
